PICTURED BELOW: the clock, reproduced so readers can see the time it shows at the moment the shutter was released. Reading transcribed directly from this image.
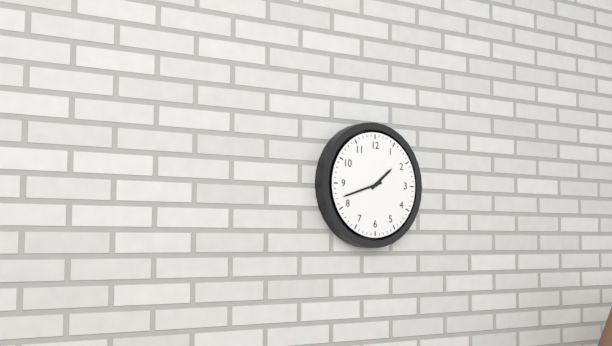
1:42
